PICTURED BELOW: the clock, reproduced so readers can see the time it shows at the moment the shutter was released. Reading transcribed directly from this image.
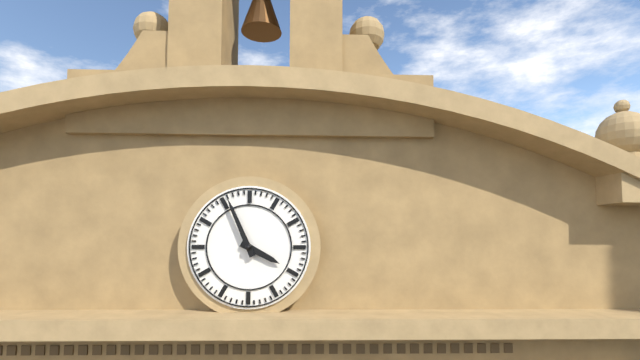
3:56
